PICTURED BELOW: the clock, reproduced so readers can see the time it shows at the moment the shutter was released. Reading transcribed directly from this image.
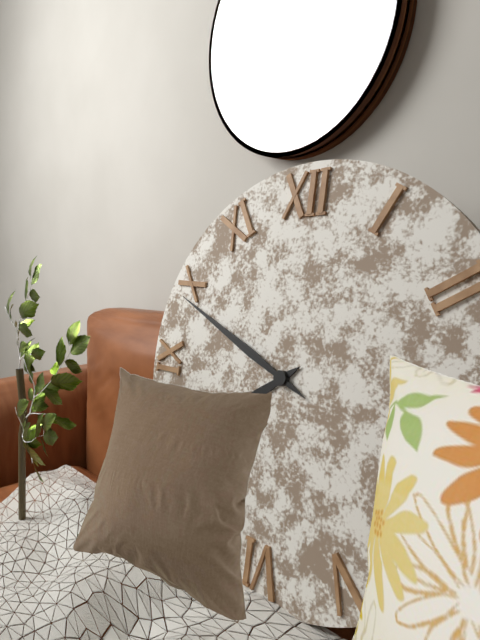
7:49
